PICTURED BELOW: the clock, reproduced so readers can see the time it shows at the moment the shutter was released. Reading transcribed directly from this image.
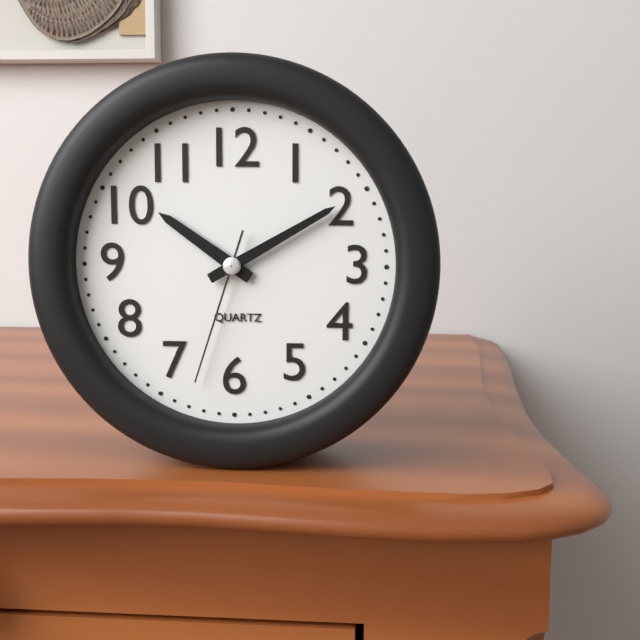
10:10:33
